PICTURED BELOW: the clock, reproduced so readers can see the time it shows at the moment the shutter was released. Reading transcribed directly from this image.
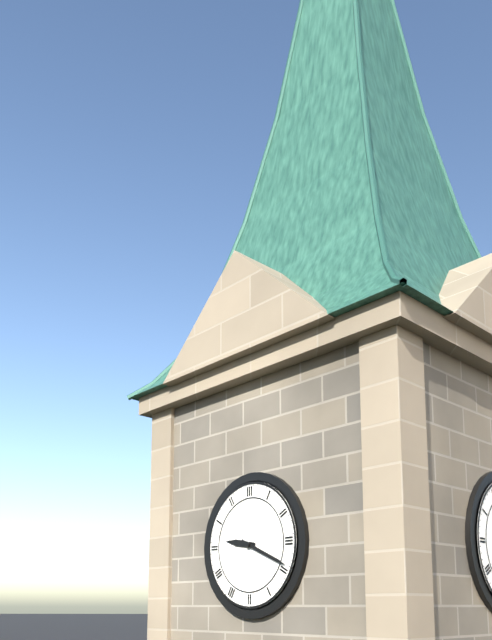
9:19
